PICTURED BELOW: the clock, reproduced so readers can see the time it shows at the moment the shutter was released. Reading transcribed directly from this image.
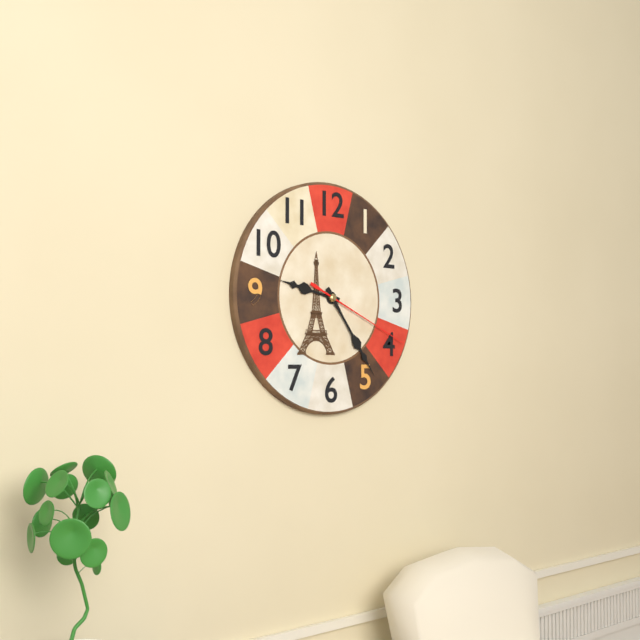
9:24:19
